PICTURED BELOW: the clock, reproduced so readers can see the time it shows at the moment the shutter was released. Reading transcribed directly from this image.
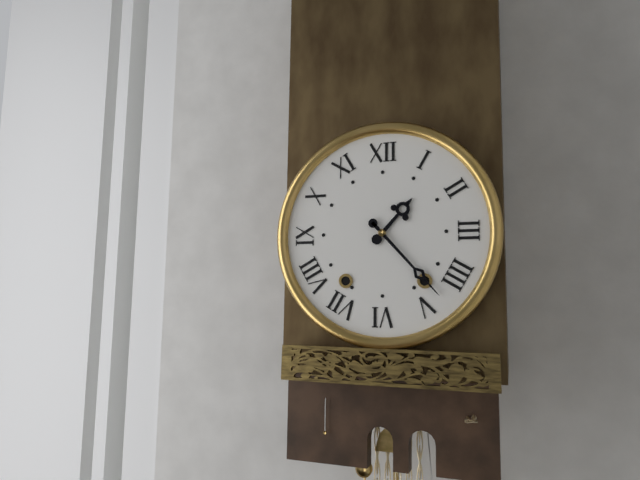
1:23
